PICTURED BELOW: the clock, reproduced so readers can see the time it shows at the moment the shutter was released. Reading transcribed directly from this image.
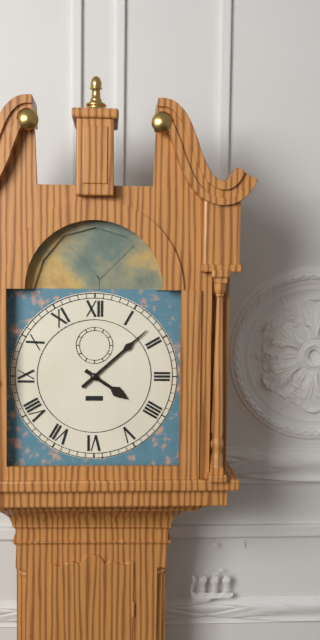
4:08
